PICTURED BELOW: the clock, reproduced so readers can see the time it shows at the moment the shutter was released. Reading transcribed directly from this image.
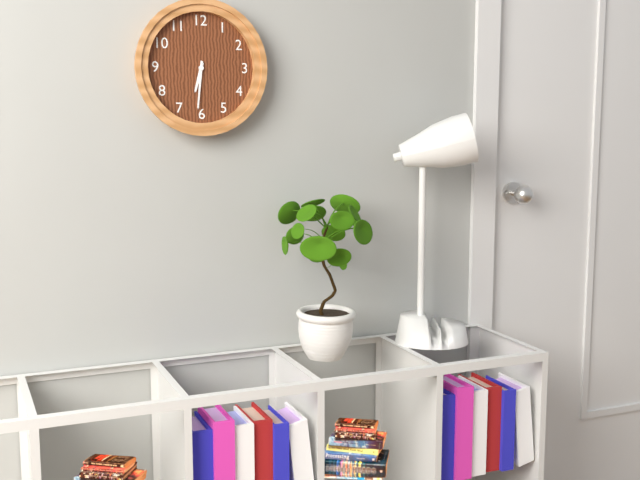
6:31
